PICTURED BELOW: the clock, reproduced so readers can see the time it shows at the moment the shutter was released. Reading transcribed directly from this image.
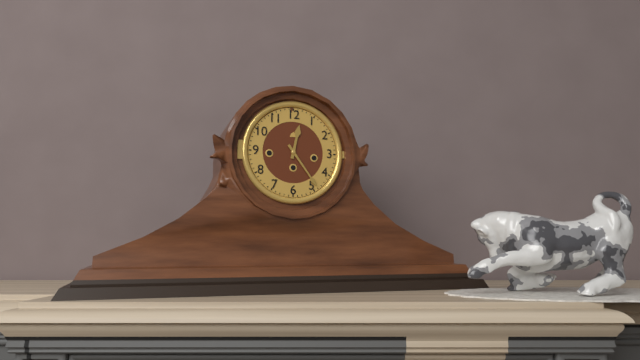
12:24
